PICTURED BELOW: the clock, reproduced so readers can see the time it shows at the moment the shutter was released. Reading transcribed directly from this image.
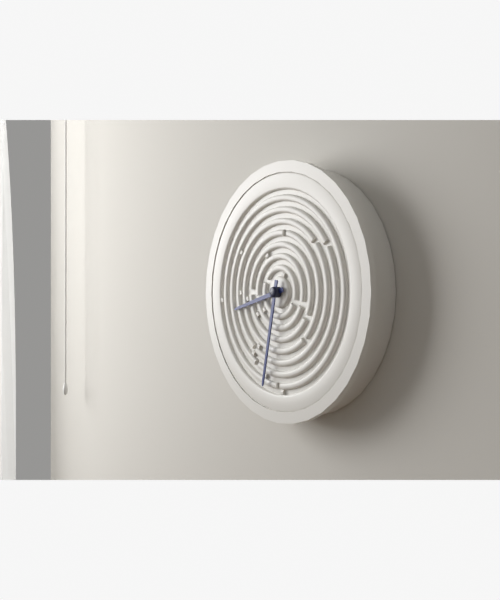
8:32
